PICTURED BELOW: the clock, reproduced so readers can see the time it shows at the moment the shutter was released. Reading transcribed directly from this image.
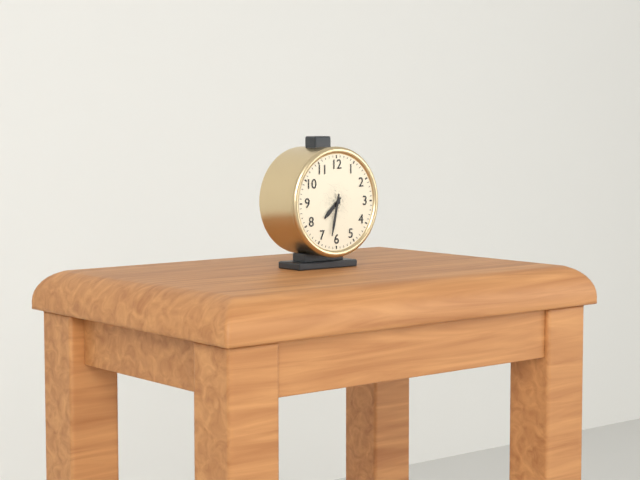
7:32
